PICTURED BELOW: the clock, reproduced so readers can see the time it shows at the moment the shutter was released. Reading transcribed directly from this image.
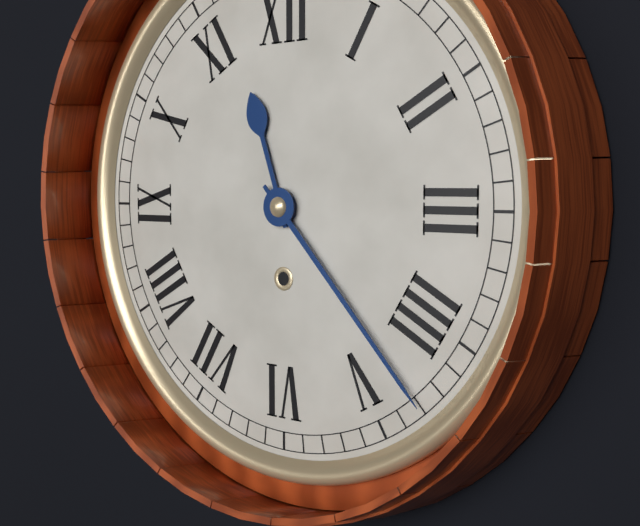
11:23
